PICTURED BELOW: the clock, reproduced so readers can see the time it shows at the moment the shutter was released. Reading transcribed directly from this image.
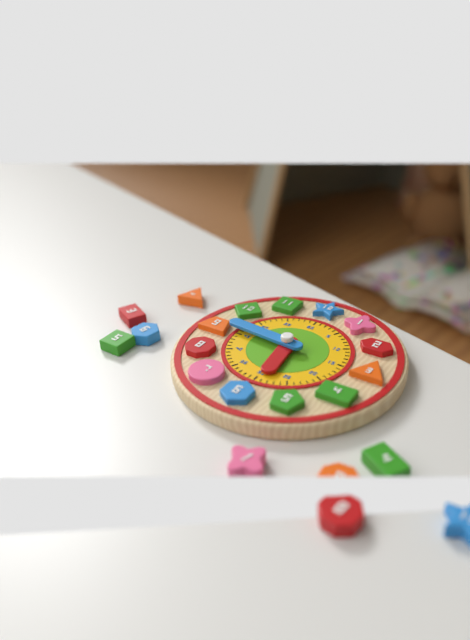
5:46
